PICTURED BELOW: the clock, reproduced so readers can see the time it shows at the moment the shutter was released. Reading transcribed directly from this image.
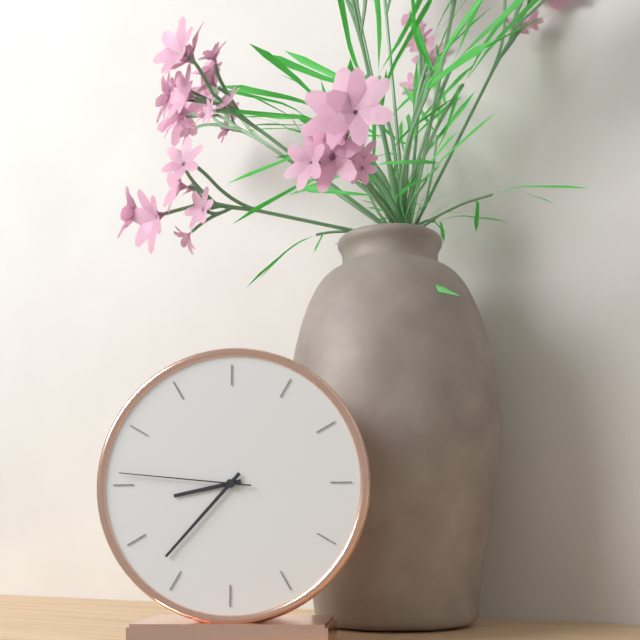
8:37:46
